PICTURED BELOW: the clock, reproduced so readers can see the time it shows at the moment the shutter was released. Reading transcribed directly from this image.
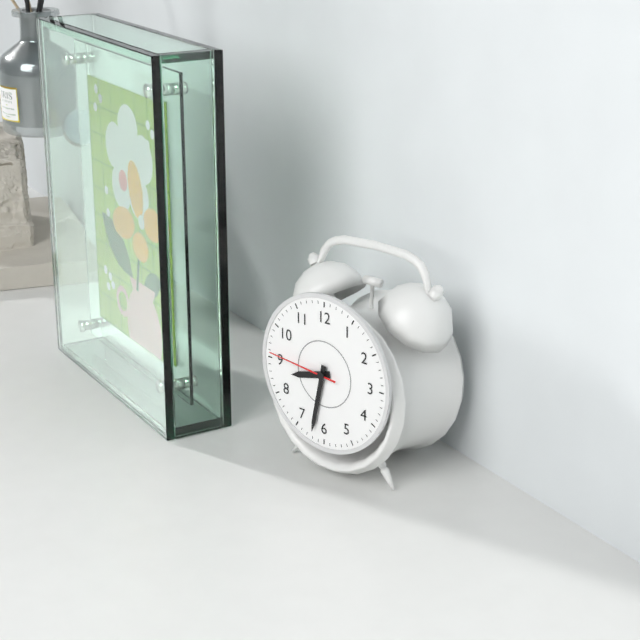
8:32:46
